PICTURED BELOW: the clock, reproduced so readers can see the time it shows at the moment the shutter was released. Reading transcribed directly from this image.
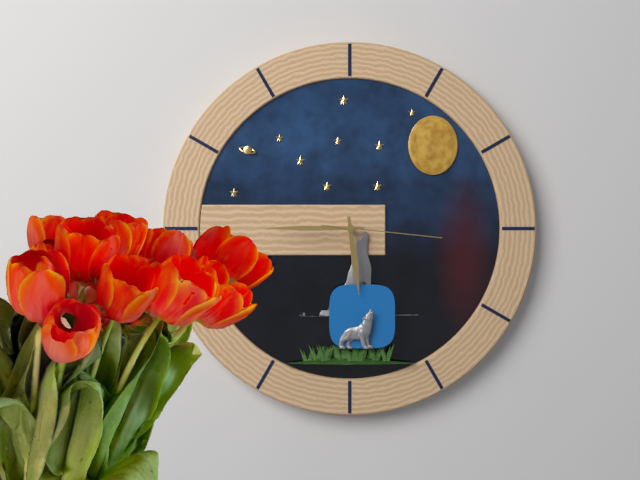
5:45:16
